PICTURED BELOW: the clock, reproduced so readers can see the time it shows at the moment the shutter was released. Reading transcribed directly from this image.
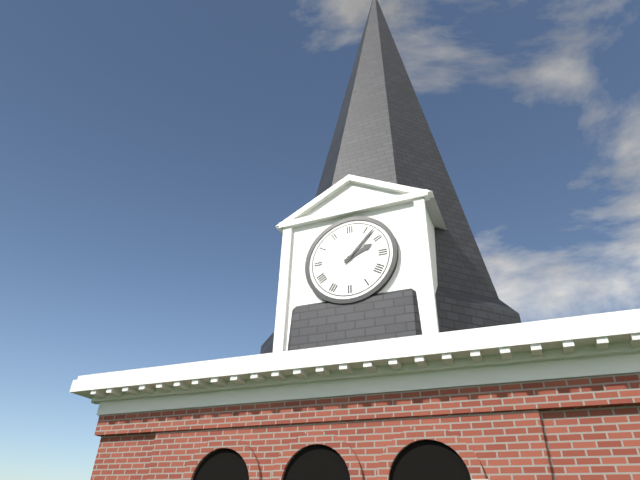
2:07
